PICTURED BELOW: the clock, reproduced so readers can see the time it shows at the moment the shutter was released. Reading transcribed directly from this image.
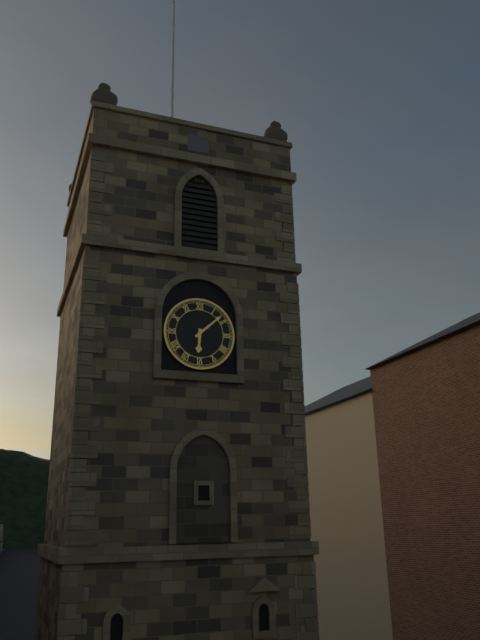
6:08
